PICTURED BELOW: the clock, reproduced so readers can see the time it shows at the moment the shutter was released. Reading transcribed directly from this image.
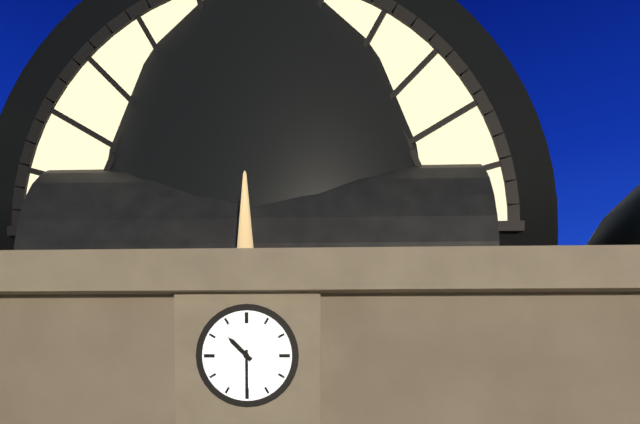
10:30
